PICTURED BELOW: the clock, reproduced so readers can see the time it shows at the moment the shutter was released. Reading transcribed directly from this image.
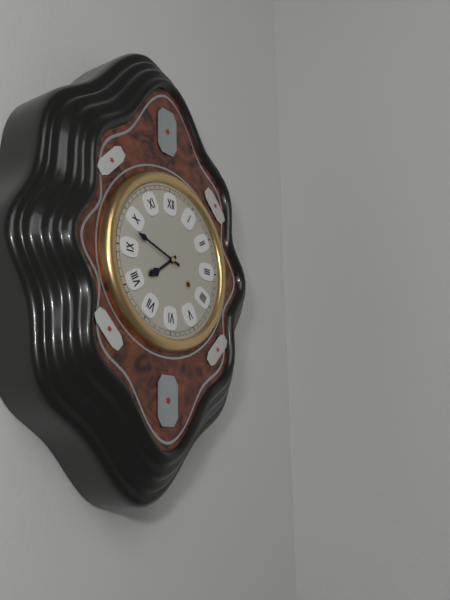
7:48
